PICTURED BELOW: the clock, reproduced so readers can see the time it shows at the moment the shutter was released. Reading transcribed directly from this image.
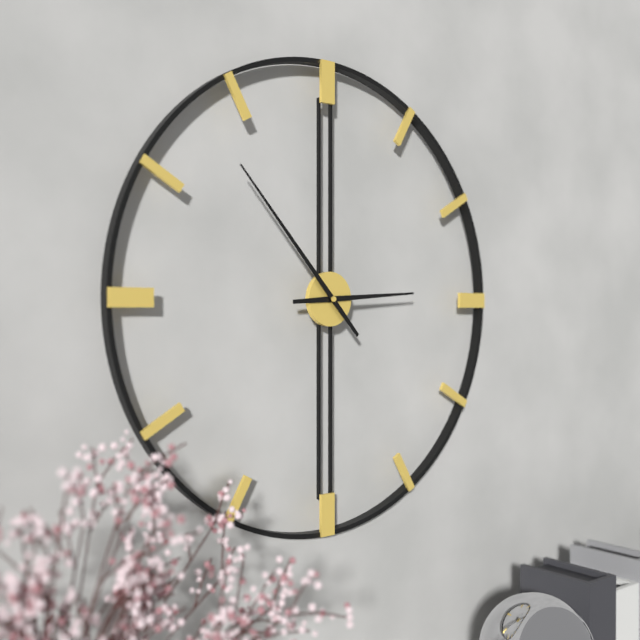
2:53
